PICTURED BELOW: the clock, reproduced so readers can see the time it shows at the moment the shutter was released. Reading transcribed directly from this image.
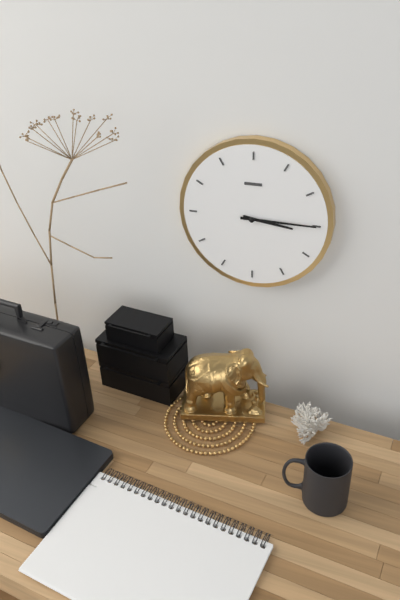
3:15
